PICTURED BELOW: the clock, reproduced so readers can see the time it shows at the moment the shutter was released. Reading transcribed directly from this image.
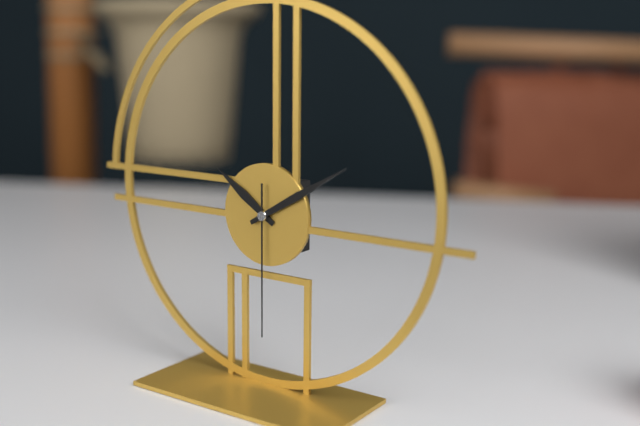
10:10:30
